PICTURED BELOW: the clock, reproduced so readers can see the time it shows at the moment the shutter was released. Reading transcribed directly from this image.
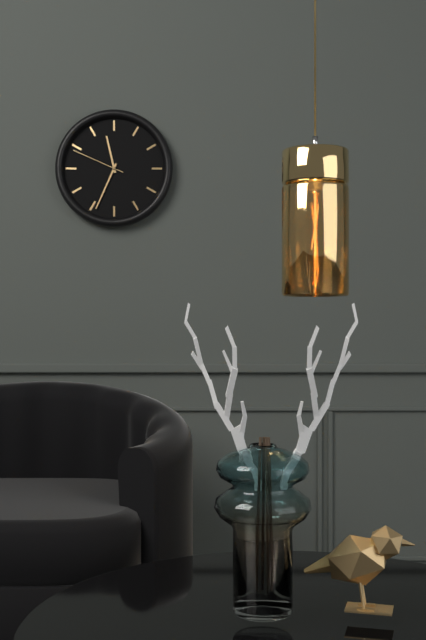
11:34:49
